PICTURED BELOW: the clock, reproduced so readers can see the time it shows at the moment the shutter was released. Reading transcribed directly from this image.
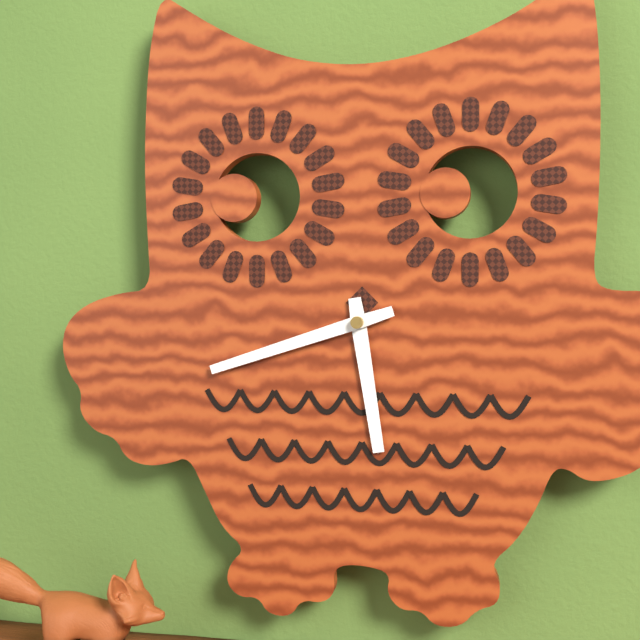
5:42
